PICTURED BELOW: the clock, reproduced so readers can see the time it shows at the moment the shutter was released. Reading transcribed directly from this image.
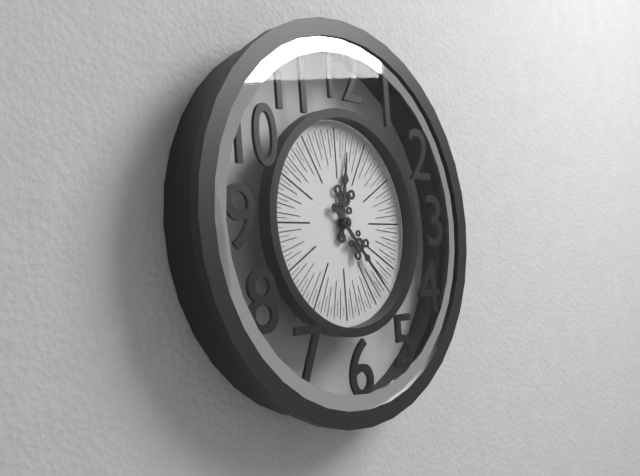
12:23
